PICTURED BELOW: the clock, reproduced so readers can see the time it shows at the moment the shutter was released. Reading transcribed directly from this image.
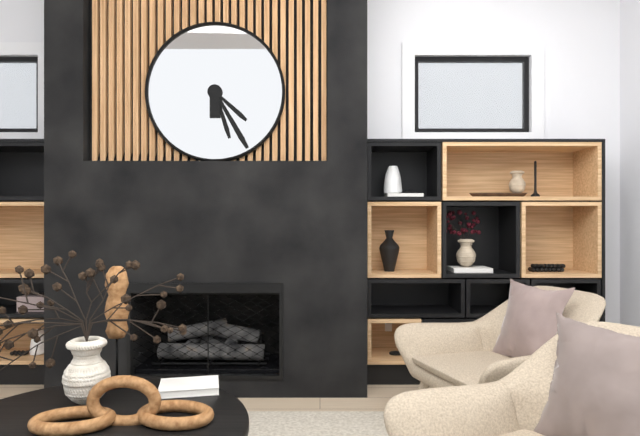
5:25:22
